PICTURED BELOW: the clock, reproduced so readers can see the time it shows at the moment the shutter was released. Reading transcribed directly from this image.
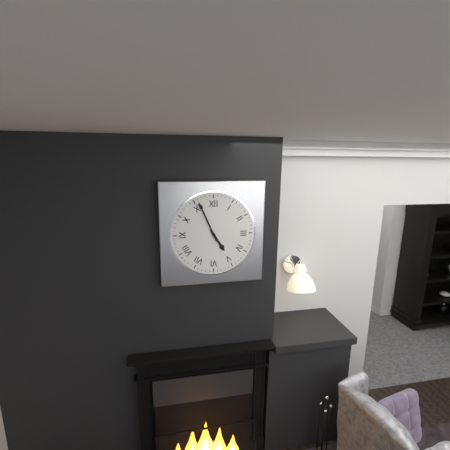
4:56
